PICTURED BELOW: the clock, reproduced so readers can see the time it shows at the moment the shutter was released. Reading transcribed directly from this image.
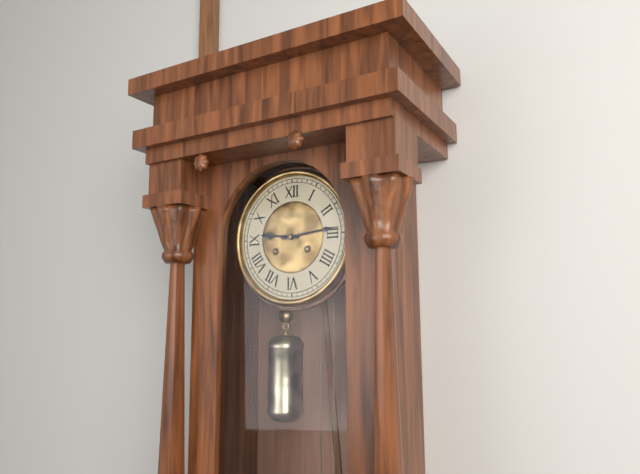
9:14
